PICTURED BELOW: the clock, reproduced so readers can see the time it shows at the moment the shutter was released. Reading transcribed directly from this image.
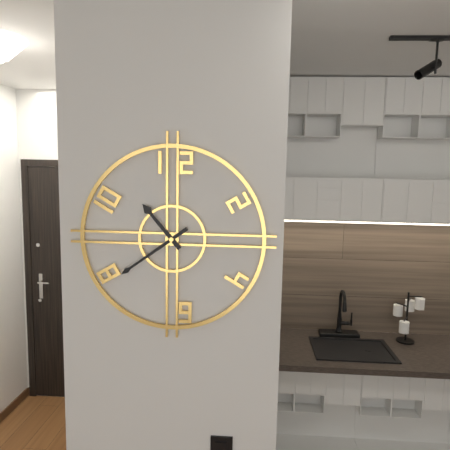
10:39
